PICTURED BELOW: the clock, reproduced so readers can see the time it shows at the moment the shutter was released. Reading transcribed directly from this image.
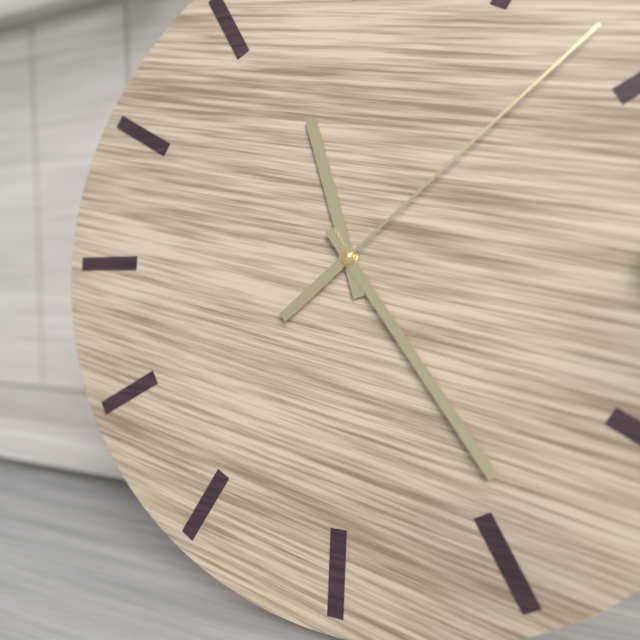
11:24:08
